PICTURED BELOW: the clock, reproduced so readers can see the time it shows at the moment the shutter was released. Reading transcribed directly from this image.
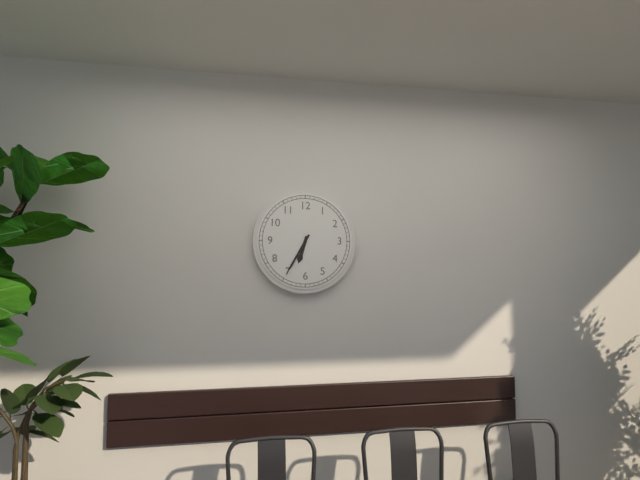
6:35
